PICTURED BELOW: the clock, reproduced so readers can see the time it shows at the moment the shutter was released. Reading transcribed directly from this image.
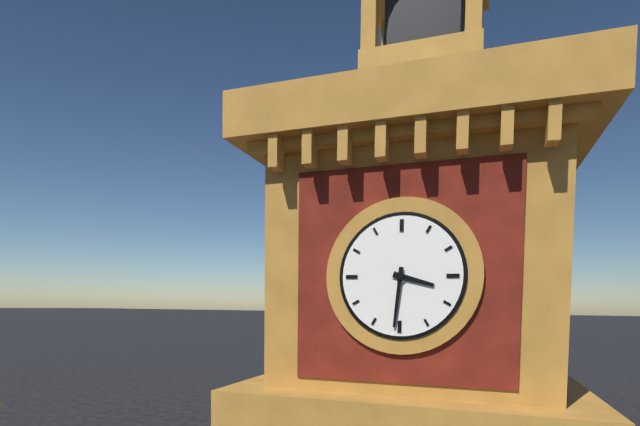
3:31
